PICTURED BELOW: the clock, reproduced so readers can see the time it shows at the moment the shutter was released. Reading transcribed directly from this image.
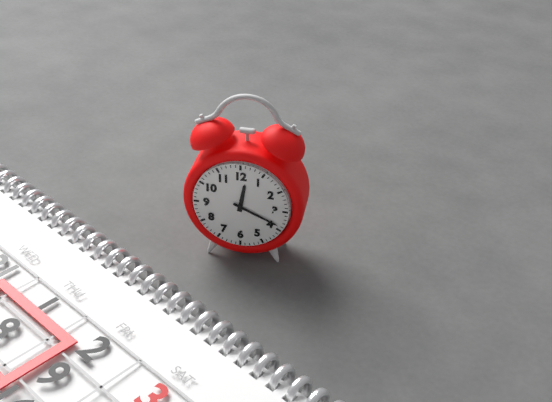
12:19
